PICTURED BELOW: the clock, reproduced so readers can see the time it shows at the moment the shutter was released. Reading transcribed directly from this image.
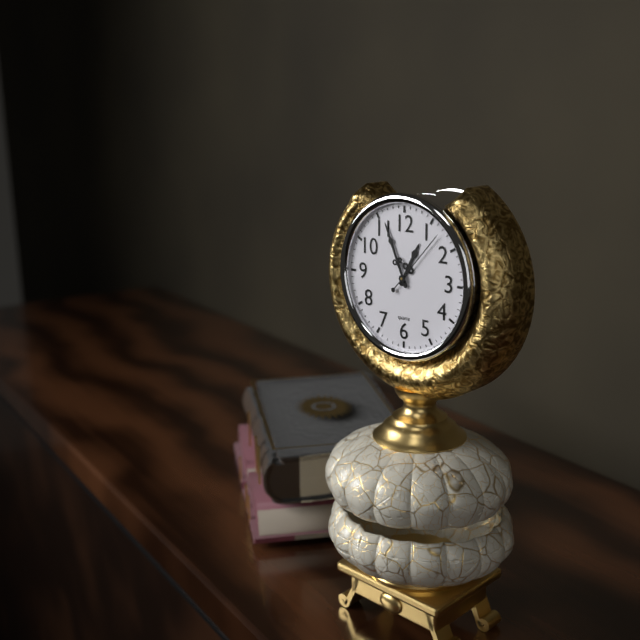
12:56:07
